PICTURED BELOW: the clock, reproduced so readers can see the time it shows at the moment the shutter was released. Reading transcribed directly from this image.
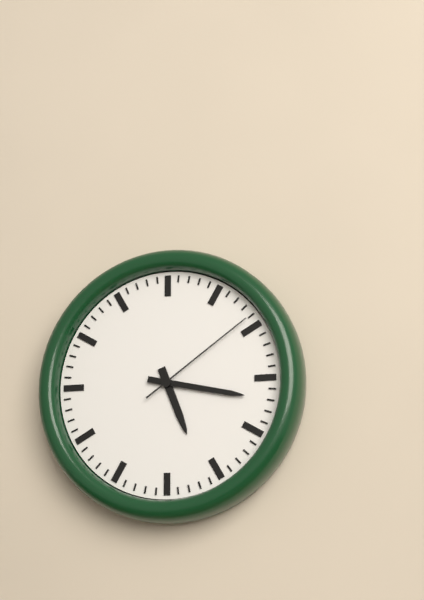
5:17:09
